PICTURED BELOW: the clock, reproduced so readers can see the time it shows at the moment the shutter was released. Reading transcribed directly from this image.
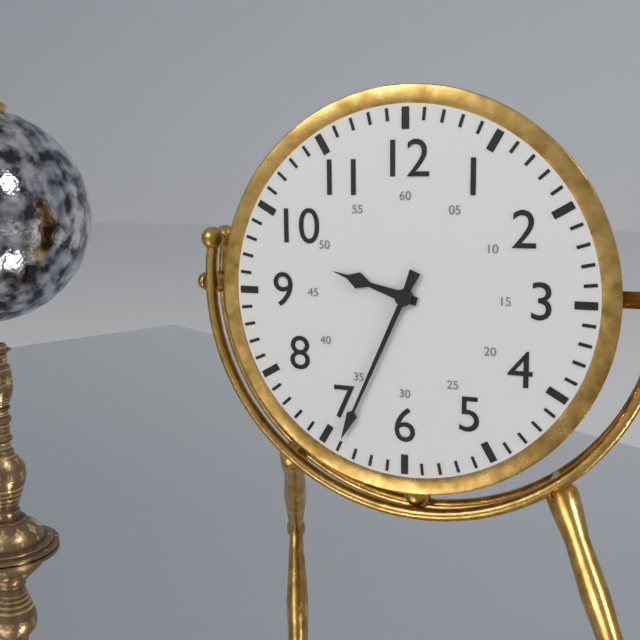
9:34
